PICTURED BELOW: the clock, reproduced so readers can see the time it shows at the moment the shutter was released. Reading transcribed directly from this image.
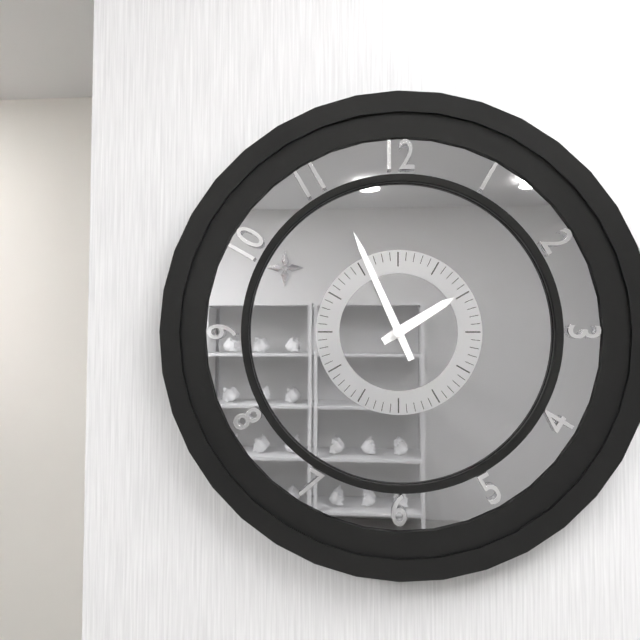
1:56
